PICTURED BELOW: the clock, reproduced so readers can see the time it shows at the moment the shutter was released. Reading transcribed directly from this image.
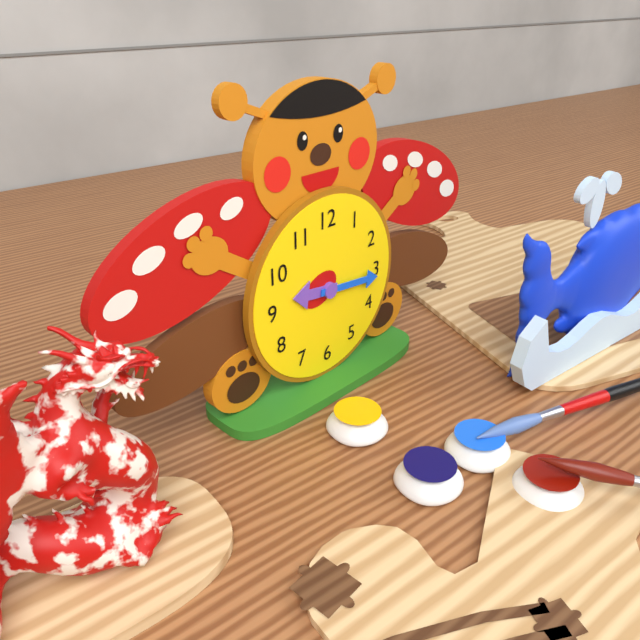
9:16
